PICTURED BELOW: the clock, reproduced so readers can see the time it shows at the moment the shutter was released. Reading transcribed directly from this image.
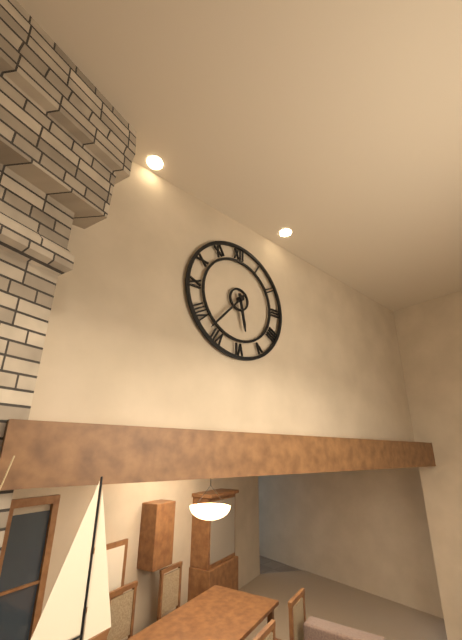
5:37
